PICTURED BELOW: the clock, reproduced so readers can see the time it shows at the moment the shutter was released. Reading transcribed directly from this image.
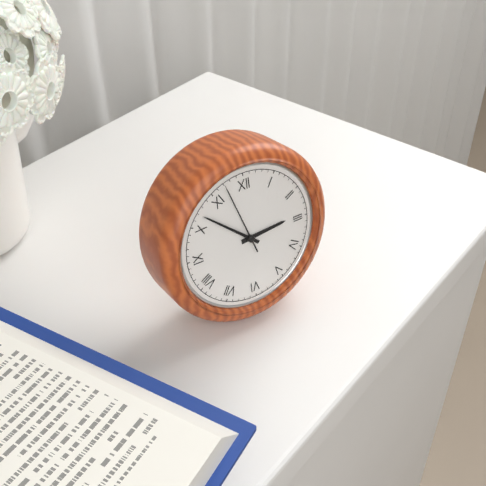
2:52:57
